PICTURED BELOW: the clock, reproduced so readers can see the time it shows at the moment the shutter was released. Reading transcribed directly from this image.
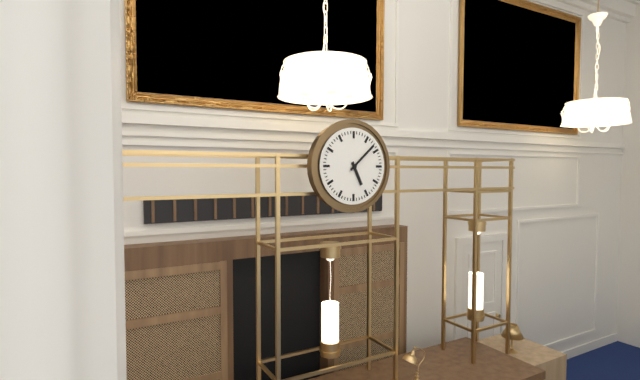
5:08
